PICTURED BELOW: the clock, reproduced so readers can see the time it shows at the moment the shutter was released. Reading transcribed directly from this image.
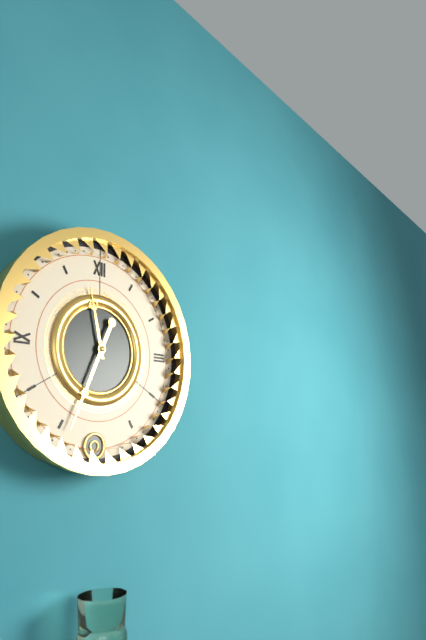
11:34
